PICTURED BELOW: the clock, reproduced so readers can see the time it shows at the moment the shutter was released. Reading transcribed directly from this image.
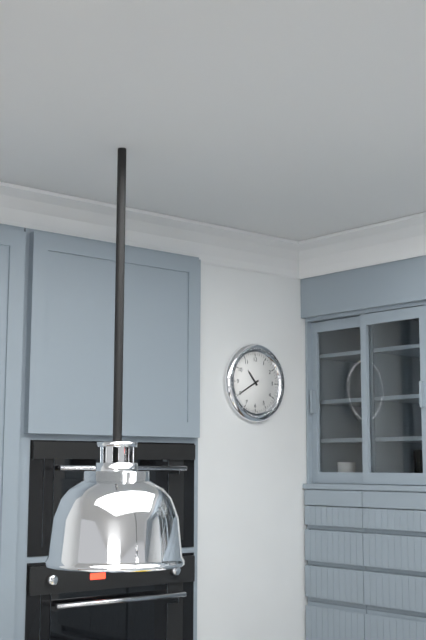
10:40
